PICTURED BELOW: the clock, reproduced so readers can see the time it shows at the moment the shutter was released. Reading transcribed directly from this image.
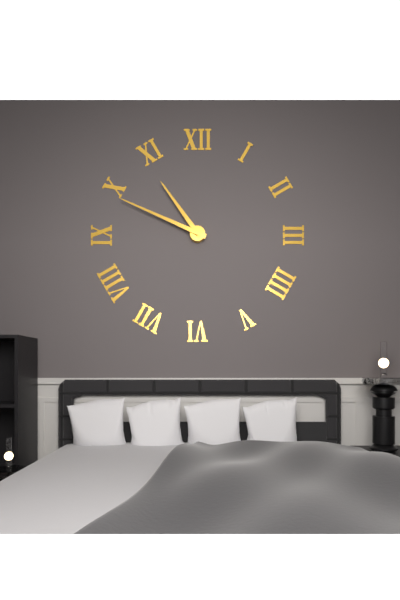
10:49
